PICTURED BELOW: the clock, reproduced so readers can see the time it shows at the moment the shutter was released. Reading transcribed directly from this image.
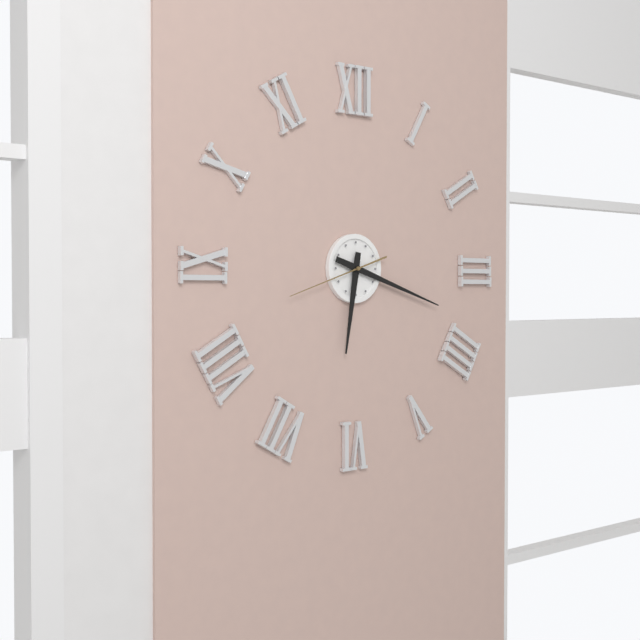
6:18:42
